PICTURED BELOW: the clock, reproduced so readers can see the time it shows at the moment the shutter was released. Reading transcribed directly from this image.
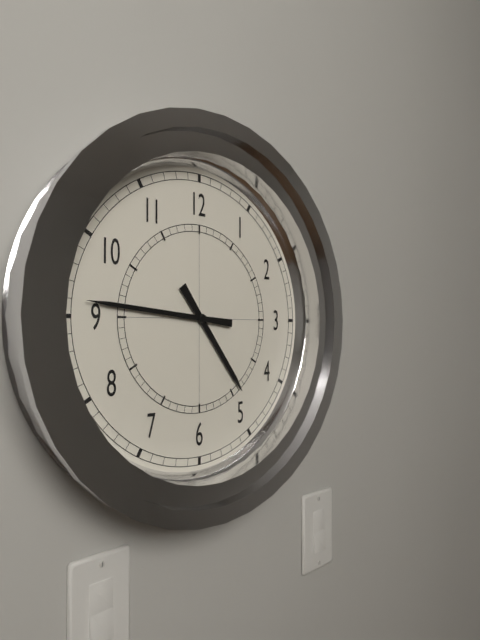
4:46
